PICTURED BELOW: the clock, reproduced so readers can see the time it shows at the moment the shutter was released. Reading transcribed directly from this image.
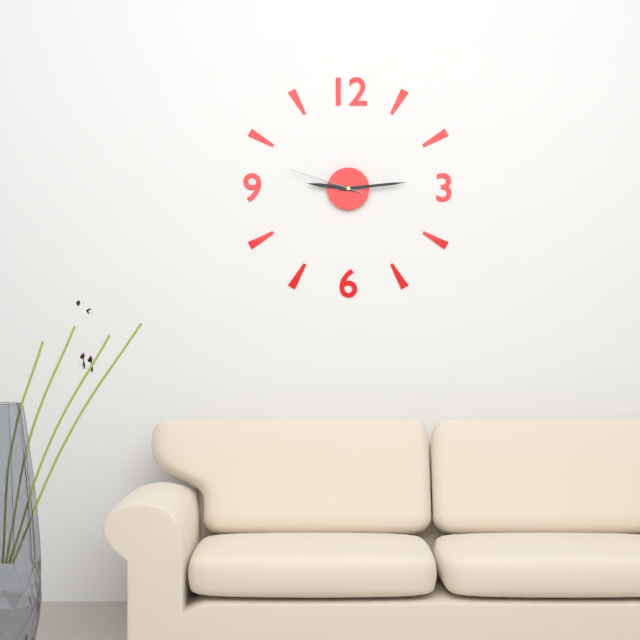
9:14:48
